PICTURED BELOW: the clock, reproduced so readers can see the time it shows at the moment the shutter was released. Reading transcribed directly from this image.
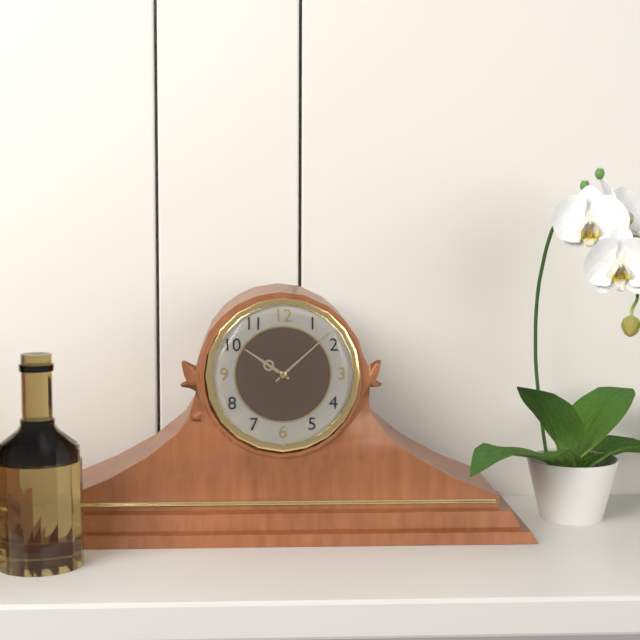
10:08
